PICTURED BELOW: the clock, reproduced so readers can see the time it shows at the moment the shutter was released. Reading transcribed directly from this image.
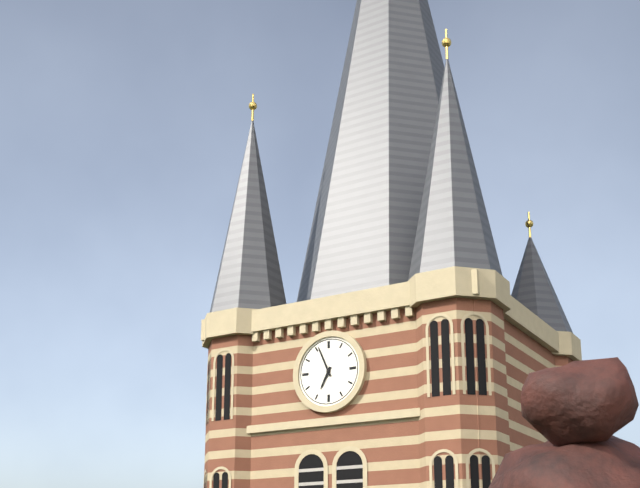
6:56
